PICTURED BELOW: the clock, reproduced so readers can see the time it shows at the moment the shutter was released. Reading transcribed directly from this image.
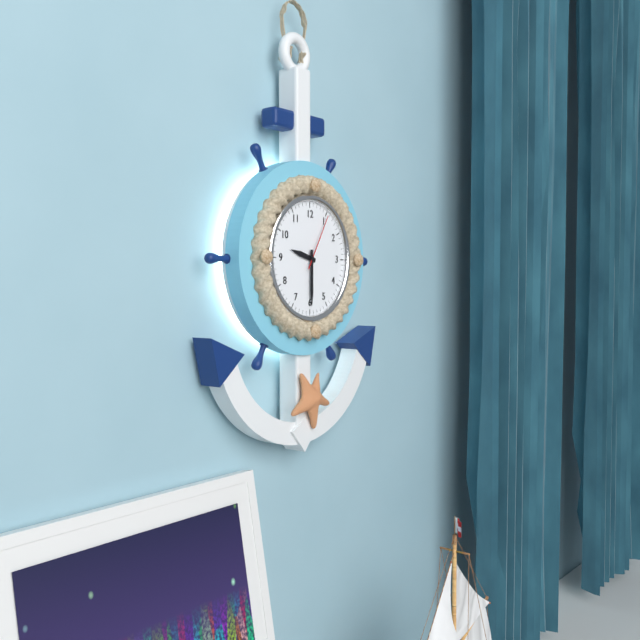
9:30:05
